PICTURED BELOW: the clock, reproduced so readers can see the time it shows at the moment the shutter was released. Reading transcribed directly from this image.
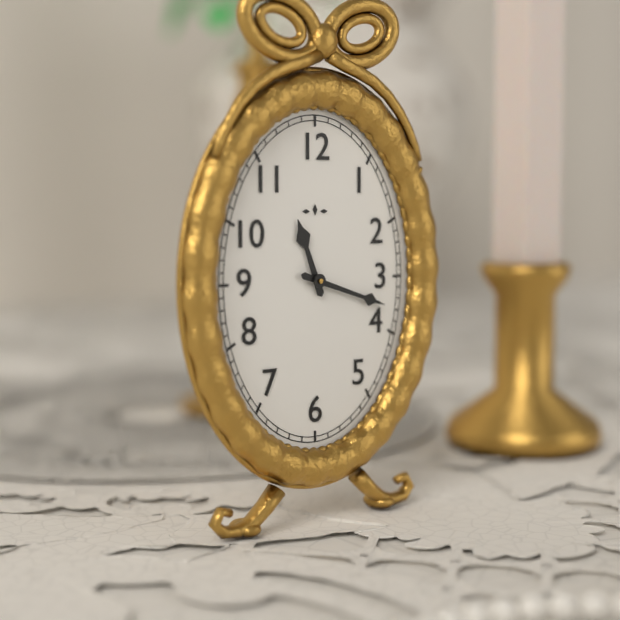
11:18
